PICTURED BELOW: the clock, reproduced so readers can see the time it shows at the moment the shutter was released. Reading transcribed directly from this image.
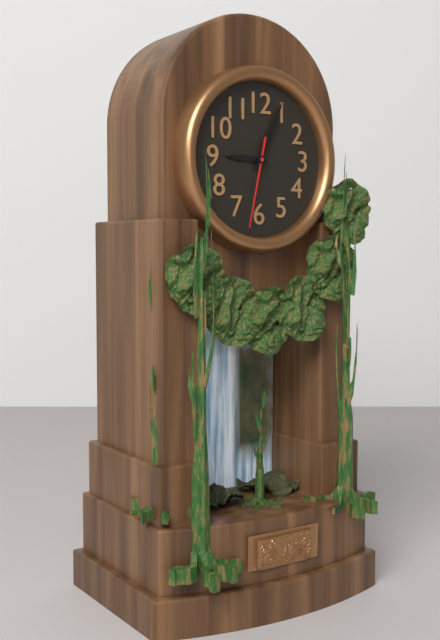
9:04:32
